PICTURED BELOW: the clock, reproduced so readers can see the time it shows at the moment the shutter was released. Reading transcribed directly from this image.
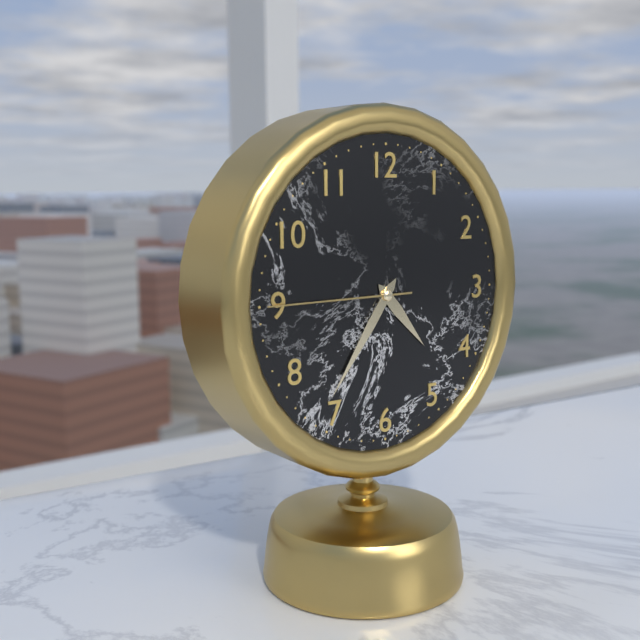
4:36:45
